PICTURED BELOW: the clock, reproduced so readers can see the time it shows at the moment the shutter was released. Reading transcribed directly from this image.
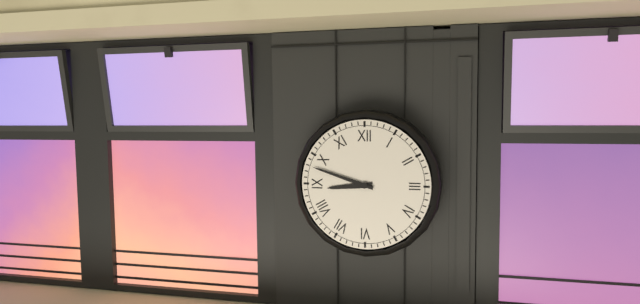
8:48
